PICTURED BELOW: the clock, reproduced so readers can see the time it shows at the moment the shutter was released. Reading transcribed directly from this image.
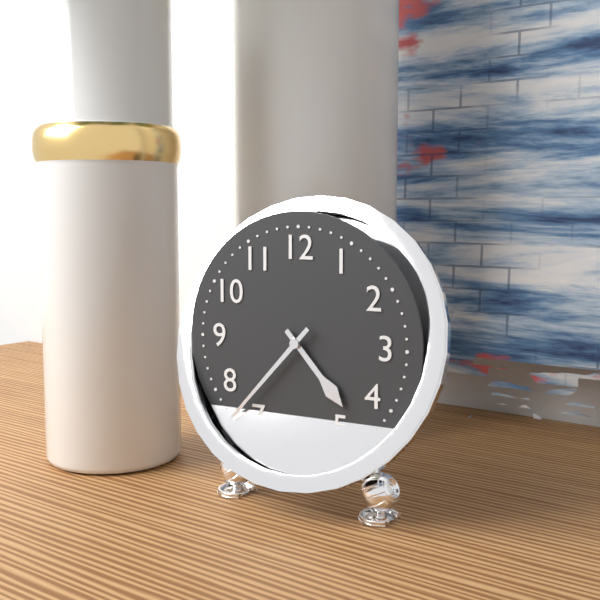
4:37
